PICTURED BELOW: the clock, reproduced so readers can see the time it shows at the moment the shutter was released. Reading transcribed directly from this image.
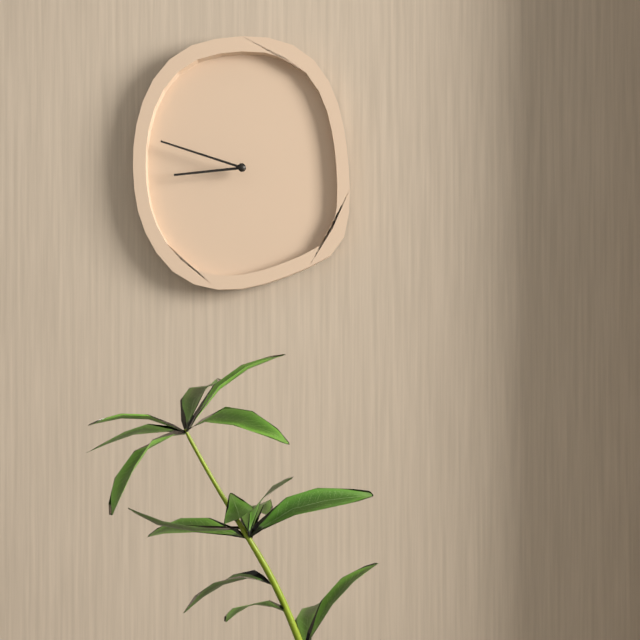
8:48
